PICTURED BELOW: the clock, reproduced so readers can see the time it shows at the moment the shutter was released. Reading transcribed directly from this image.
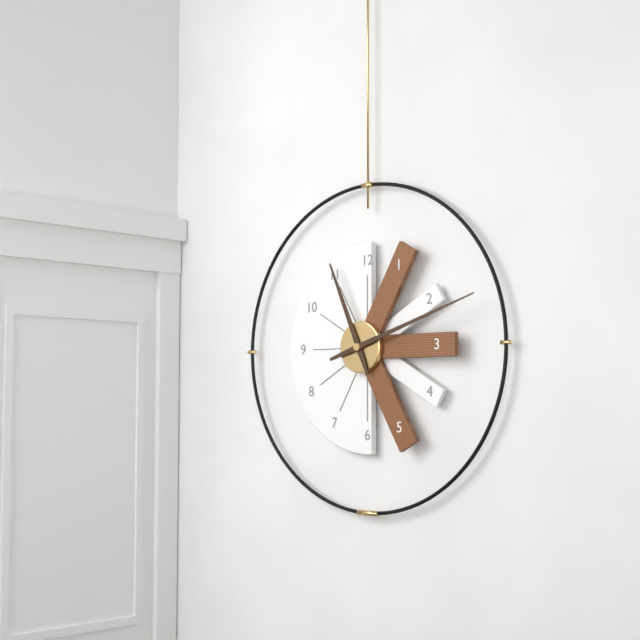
11:12
